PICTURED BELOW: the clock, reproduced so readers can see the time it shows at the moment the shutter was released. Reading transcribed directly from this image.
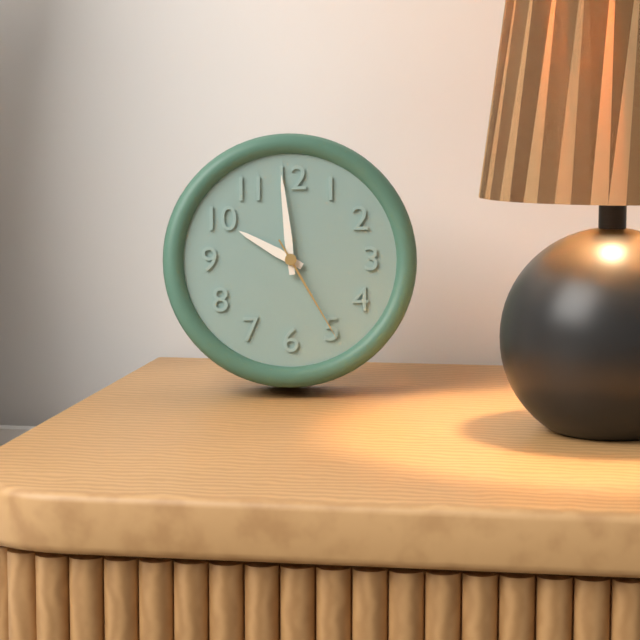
9:59:25
